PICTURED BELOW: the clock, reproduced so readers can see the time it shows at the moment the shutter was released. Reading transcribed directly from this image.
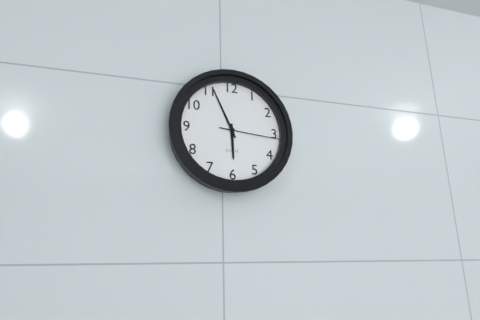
5:56:16
